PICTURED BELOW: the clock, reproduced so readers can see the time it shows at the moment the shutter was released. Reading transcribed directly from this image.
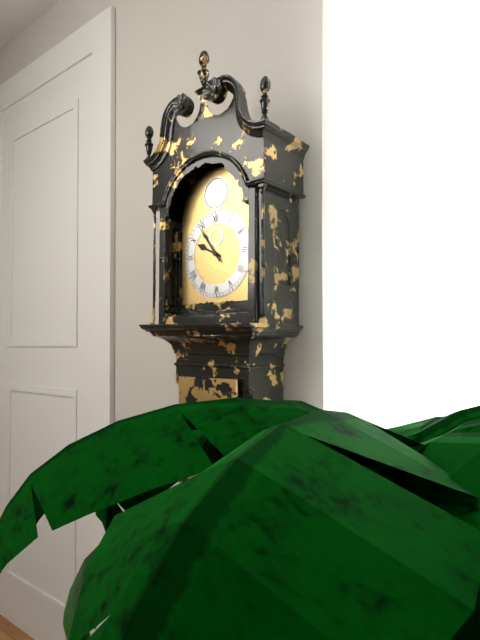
9:54
